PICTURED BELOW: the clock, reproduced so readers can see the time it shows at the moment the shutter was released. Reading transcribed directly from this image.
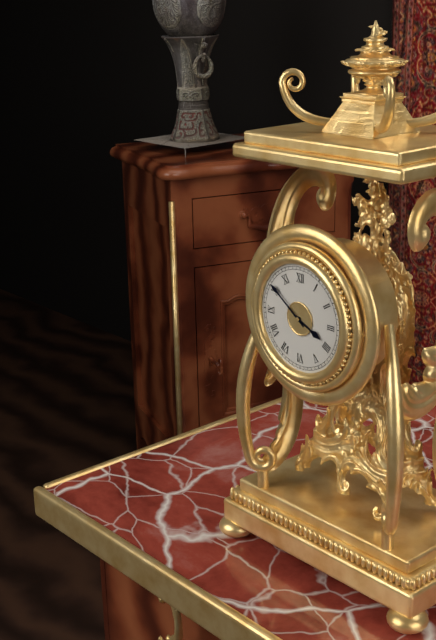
3:51
